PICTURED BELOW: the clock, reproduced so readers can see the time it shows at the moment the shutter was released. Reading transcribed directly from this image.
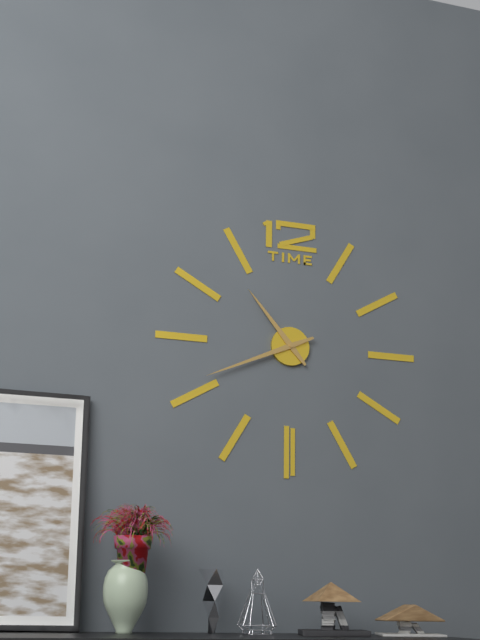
10:41
